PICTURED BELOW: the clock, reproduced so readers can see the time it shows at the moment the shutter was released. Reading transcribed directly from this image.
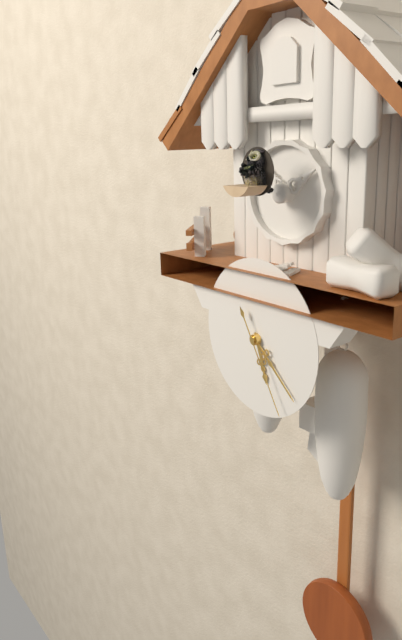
5:22:25
